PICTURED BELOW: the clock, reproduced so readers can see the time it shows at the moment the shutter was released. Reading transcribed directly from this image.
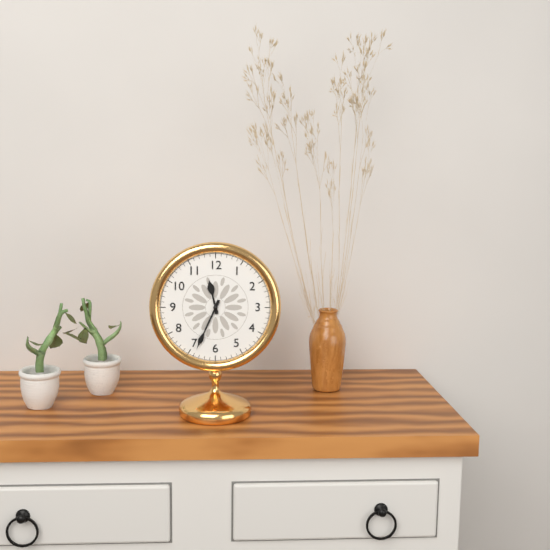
11:34
